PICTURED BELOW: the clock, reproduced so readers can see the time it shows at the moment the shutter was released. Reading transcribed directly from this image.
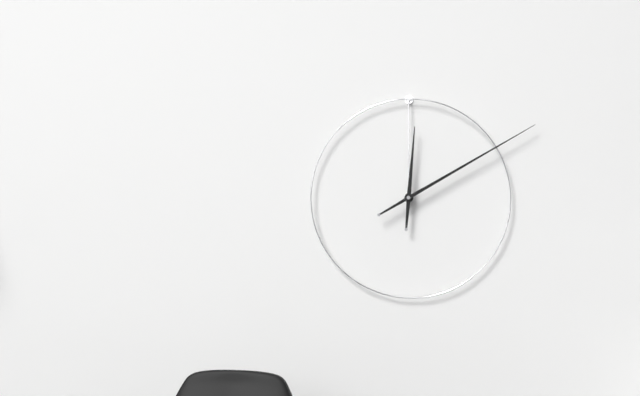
12:10
